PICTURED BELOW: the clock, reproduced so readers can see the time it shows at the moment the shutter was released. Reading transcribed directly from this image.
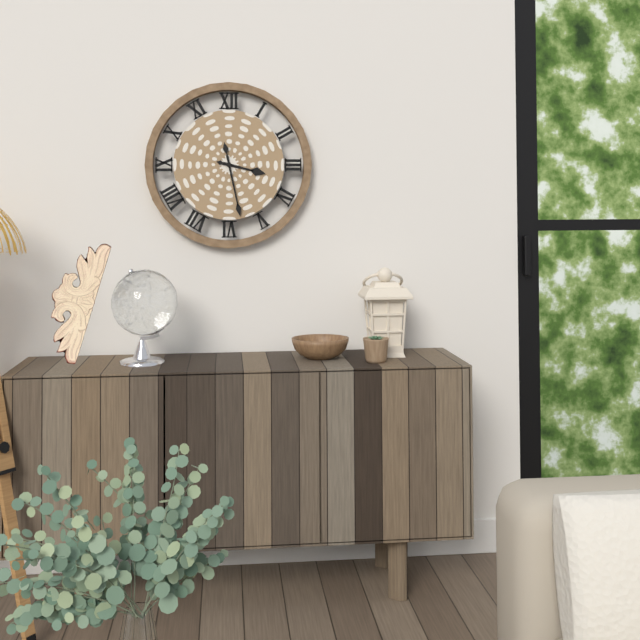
3:28
